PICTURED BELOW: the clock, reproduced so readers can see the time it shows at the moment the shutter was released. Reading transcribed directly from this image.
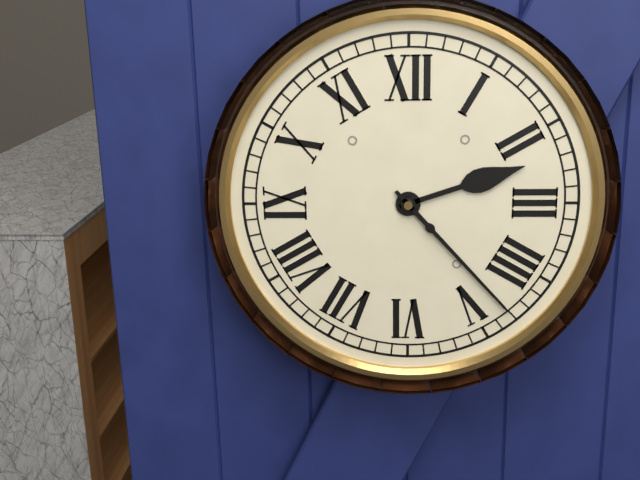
2:23
